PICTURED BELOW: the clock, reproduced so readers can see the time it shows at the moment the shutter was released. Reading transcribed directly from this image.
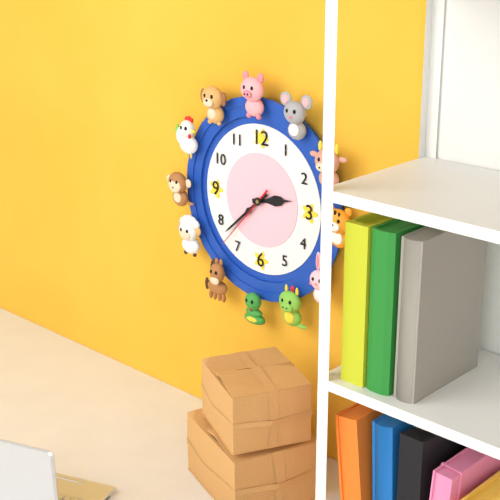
2:38:37
